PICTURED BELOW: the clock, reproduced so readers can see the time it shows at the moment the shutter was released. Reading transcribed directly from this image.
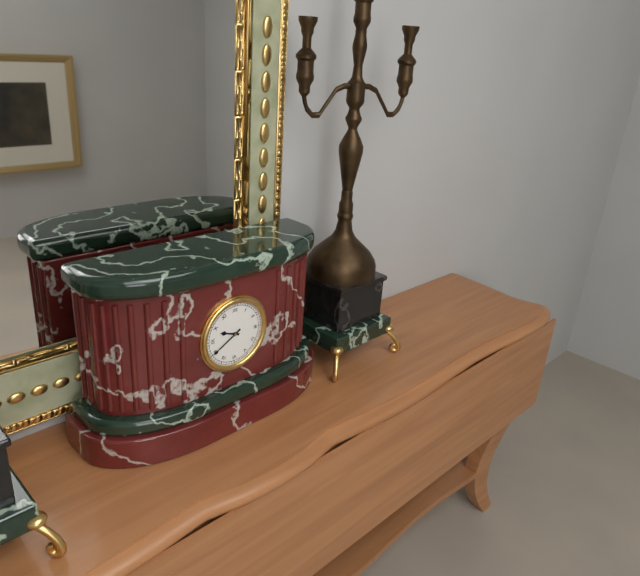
9:40
